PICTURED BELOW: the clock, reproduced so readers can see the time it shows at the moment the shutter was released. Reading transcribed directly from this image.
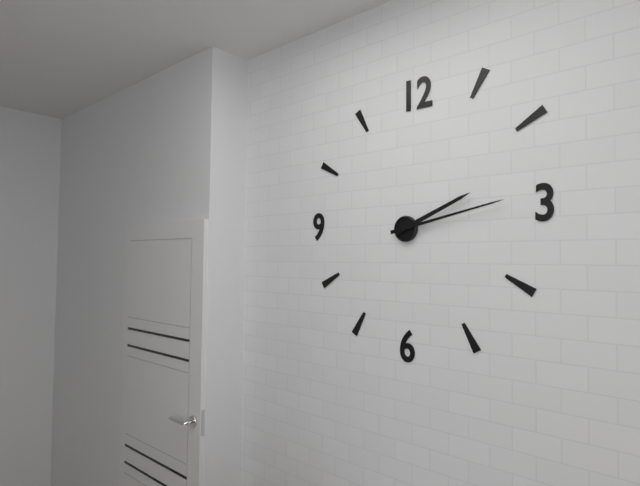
2:13
